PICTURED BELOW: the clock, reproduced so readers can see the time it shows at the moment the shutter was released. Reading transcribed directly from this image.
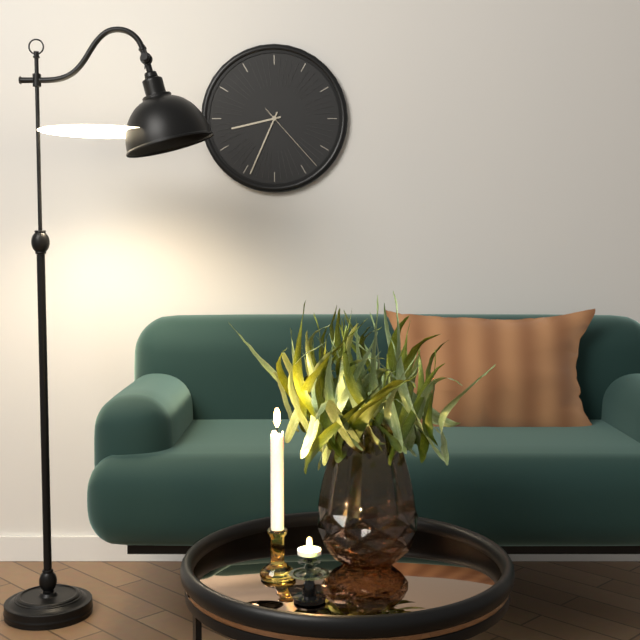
8:34:23
